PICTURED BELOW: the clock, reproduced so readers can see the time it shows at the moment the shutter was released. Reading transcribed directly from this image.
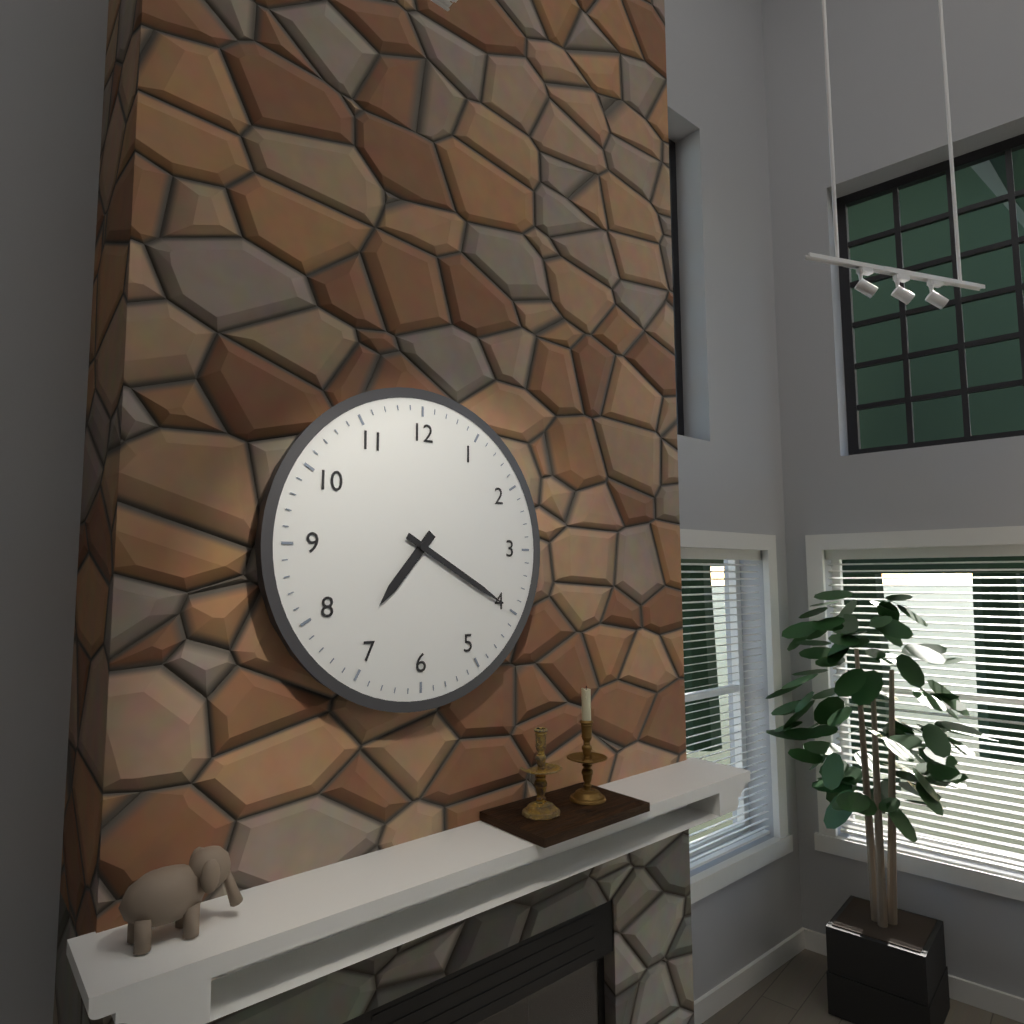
7:20
